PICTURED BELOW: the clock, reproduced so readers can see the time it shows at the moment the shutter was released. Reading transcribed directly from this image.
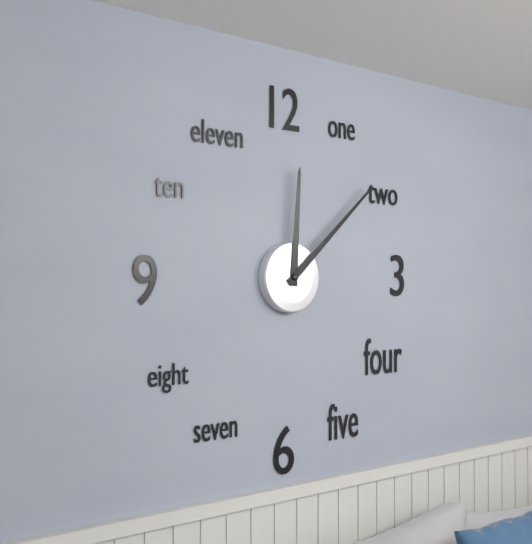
12:08
